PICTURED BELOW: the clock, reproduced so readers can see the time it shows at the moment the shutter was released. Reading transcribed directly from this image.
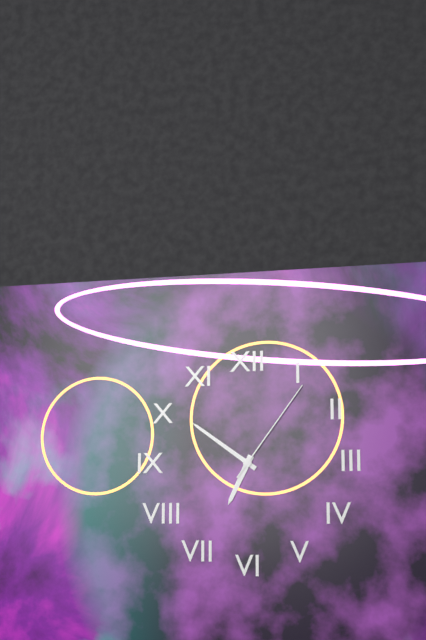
6:51:06
